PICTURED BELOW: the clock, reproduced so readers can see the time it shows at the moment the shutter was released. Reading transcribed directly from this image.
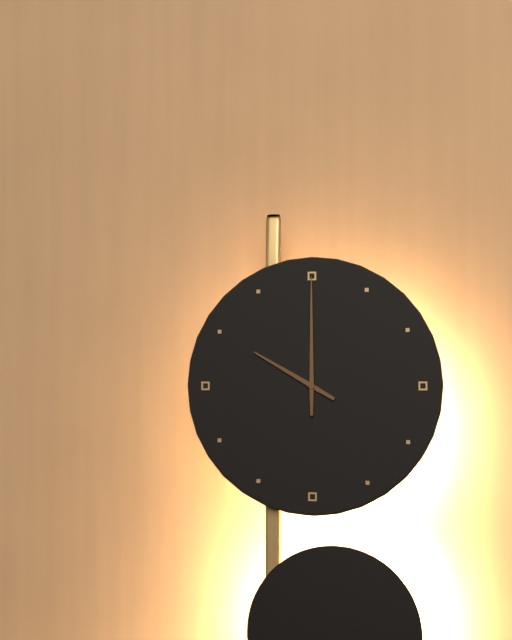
10:00
